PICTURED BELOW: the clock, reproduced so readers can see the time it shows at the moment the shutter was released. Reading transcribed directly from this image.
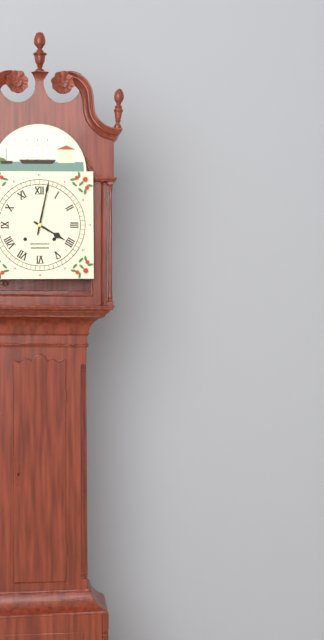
4:02
